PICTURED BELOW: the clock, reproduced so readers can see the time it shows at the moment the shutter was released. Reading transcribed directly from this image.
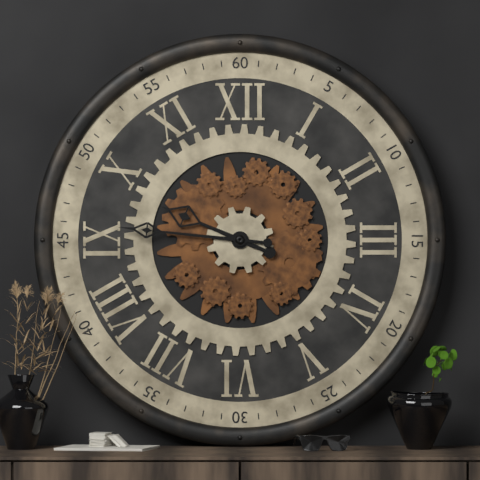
9:46
